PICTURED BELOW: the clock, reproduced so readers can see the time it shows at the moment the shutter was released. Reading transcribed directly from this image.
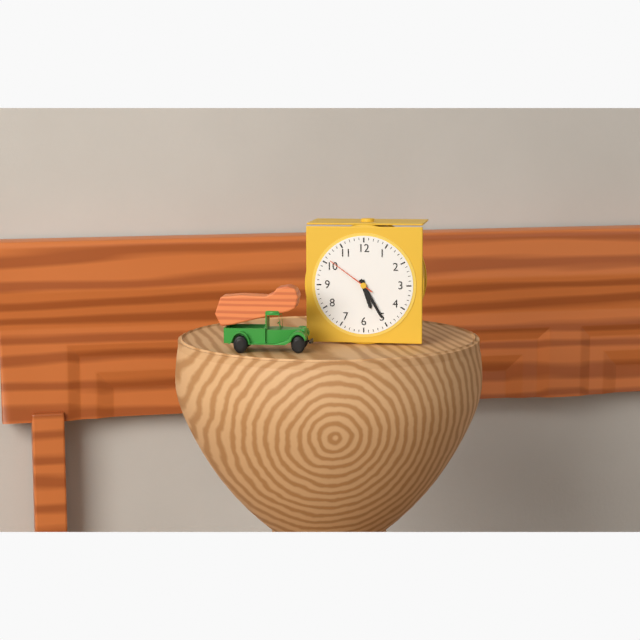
5:25:51
